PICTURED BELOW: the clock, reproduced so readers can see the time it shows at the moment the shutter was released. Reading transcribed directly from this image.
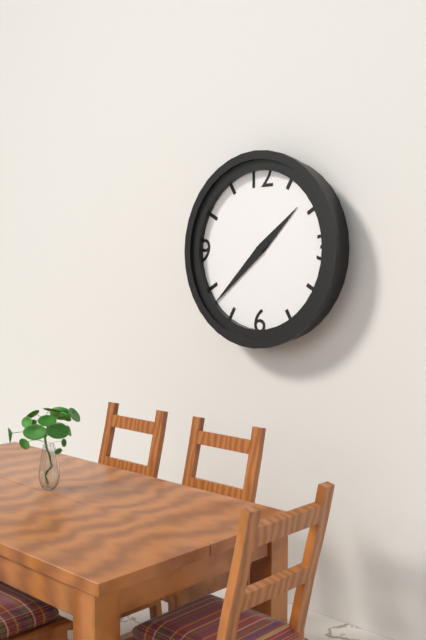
1:38
